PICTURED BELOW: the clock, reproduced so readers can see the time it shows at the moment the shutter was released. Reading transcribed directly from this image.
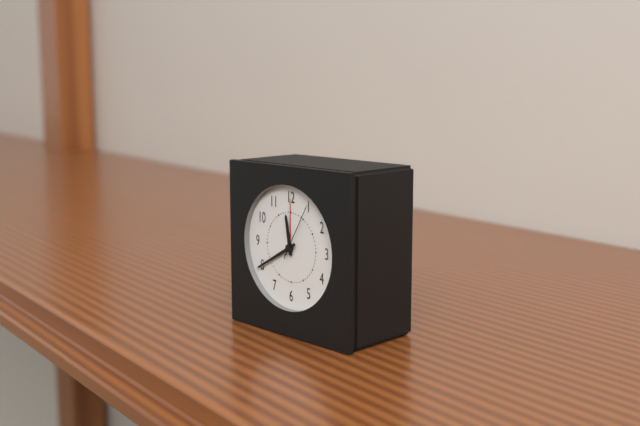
11:40:05
